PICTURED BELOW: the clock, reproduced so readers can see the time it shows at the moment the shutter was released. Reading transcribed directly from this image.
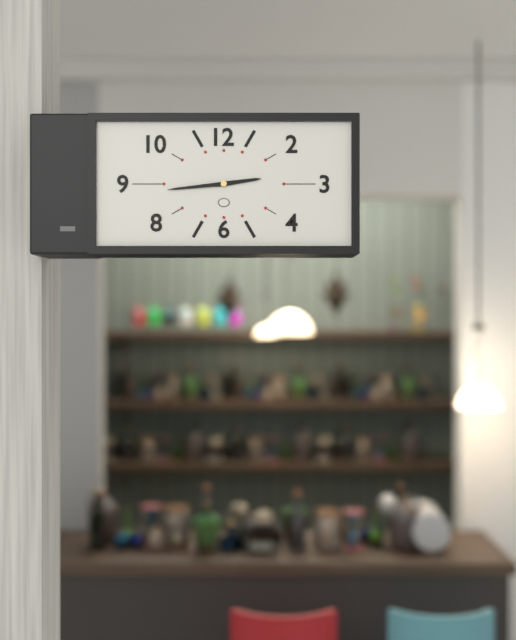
2:44
